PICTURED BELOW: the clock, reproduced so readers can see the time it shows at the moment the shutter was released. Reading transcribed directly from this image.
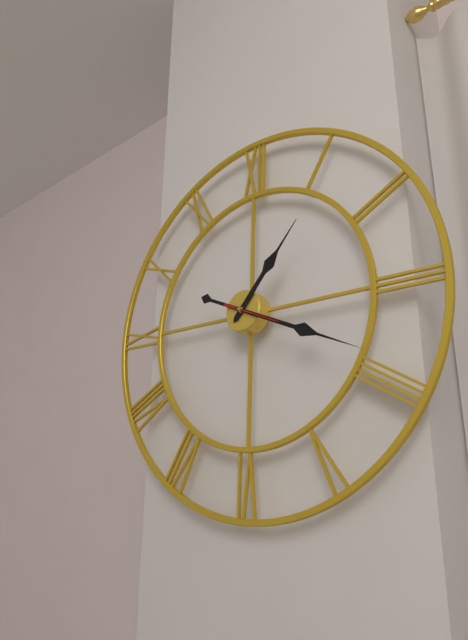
1:19
